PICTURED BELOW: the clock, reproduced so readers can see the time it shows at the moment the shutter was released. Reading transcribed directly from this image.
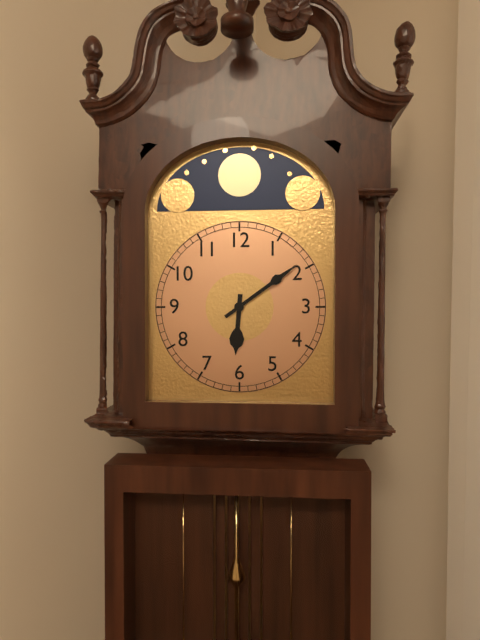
6:09
